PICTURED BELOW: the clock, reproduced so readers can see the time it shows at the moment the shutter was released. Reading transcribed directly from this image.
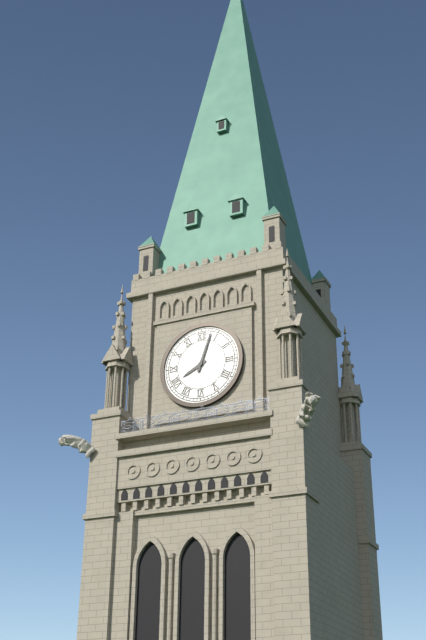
8:03
